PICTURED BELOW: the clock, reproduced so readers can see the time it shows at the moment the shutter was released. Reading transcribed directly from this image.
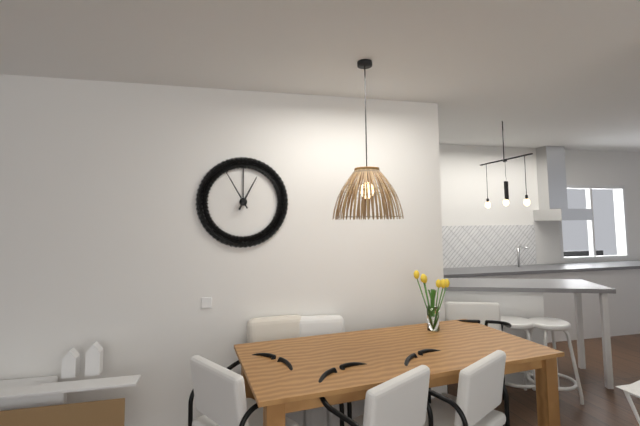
12:55
